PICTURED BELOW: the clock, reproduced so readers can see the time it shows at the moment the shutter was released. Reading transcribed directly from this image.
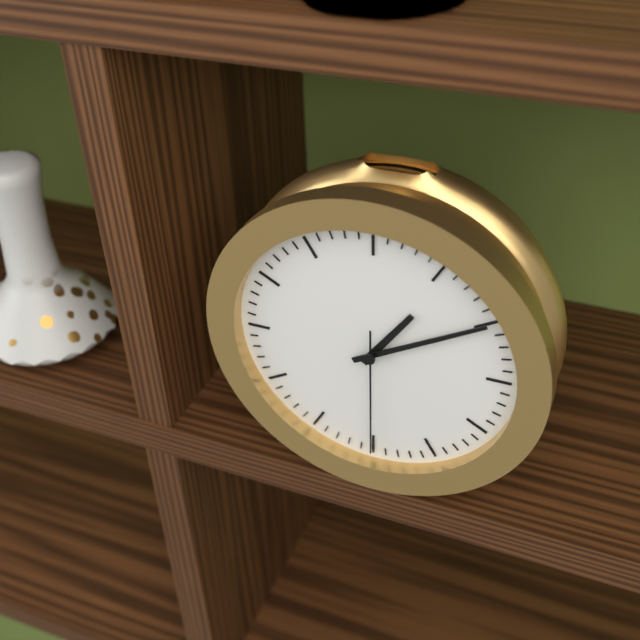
1:10:30
